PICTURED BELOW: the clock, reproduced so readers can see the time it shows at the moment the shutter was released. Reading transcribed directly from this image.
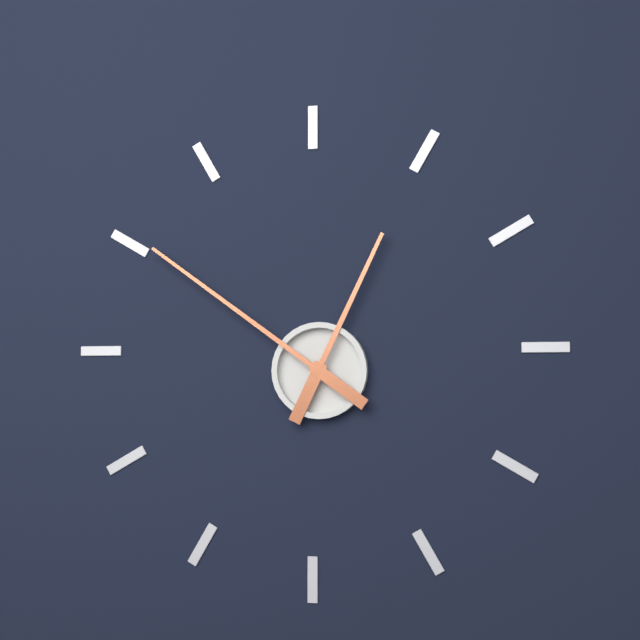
12:51
